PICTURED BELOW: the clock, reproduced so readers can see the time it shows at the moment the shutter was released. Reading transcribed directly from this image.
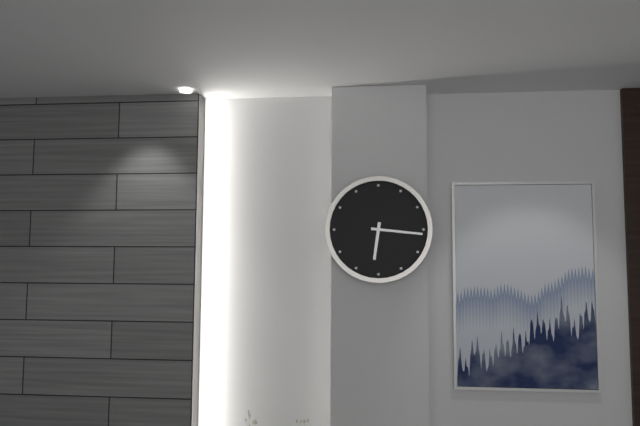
6:16
